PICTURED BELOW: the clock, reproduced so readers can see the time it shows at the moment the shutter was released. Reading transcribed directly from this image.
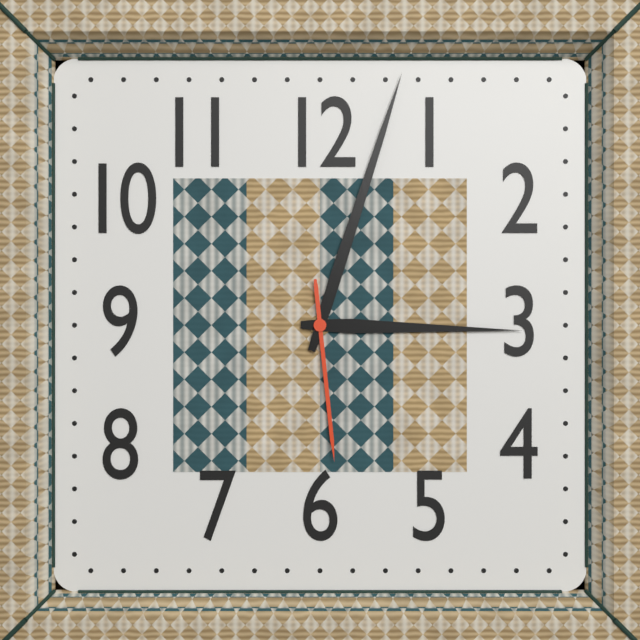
3:03:29
